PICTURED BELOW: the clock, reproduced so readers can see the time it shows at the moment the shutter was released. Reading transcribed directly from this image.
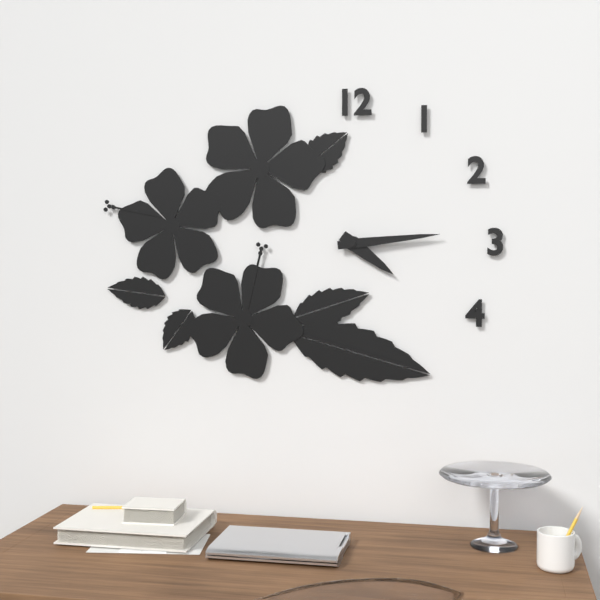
4:14
